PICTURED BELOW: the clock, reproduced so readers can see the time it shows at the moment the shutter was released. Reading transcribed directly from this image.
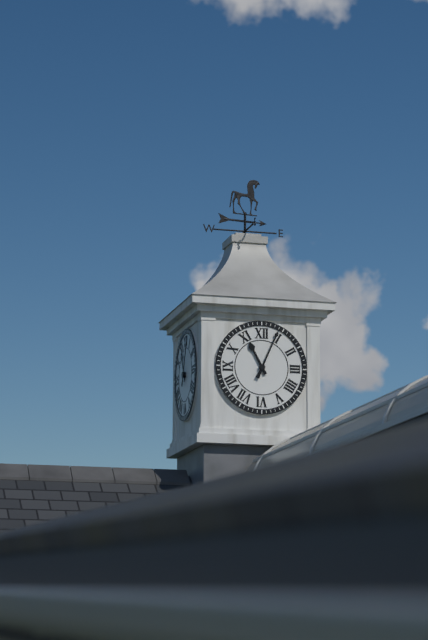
11:04
